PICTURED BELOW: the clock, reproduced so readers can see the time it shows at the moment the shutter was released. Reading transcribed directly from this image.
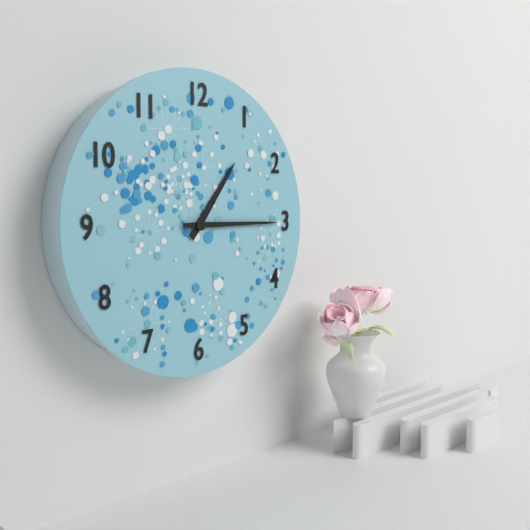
1:15
